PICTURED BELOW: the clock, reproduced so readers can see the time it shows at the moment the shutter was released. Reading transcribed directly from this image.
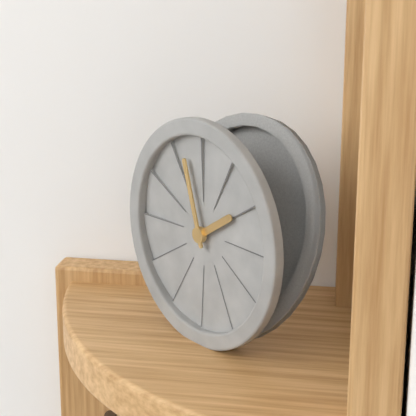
1:57
